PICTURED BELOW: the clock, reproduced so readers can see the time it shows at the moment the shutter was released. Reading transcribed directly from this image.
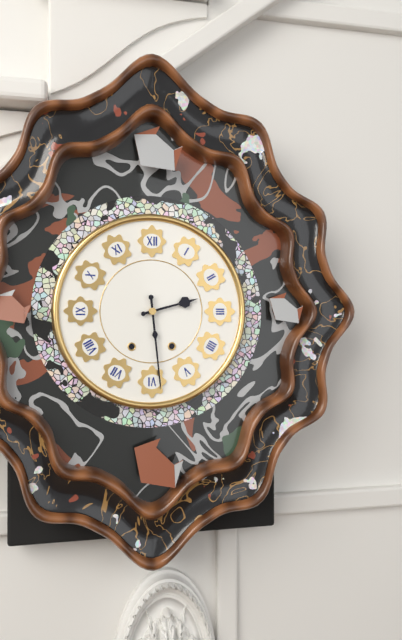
2:29
